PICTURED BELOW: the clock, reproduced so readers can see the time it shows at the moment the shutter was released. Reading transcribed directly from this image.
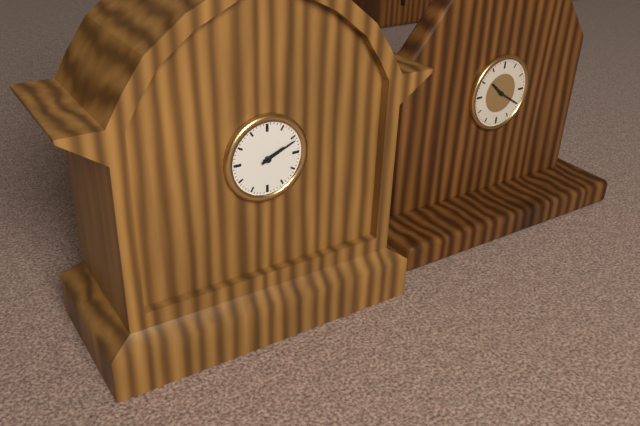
2:11
